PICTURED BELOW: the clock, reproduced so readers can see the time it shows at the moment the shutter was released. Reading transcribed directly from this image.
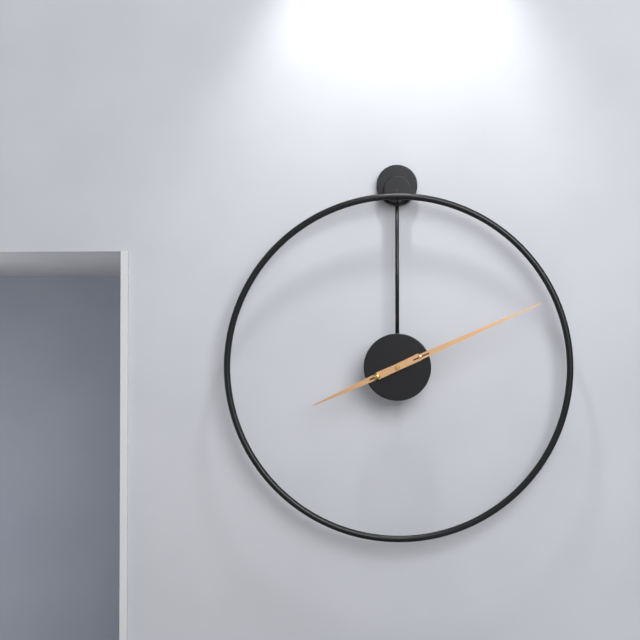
8:11
